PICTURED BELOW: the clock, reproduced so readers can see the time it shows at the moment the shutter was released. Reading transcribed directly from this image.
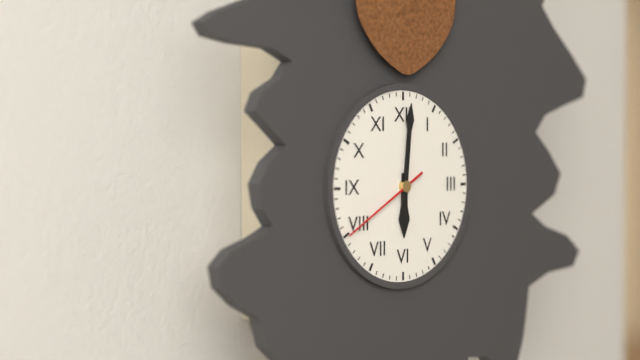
6:01:40
